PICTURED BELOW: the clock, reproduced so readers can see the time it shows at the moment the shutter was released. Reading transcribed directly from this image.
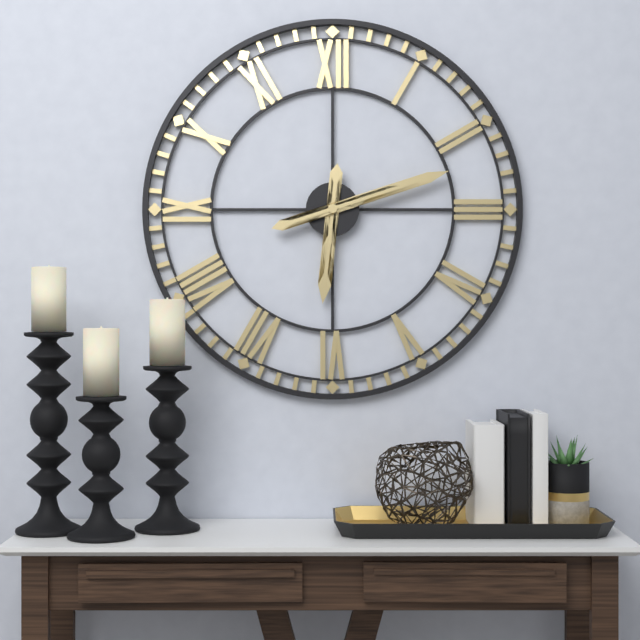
6:12
